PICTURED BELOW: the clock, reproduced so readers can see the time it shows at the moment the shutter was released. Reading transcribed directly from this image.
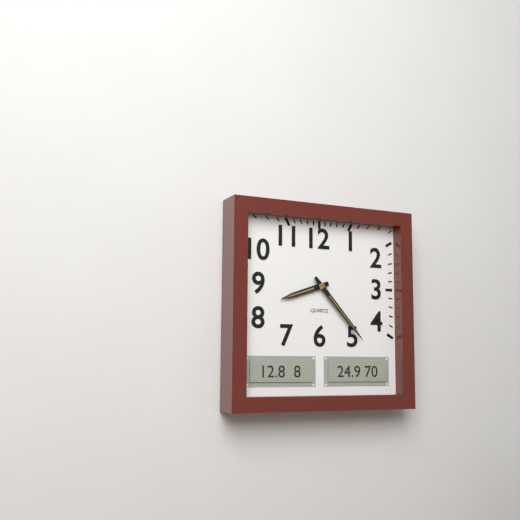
8:23
